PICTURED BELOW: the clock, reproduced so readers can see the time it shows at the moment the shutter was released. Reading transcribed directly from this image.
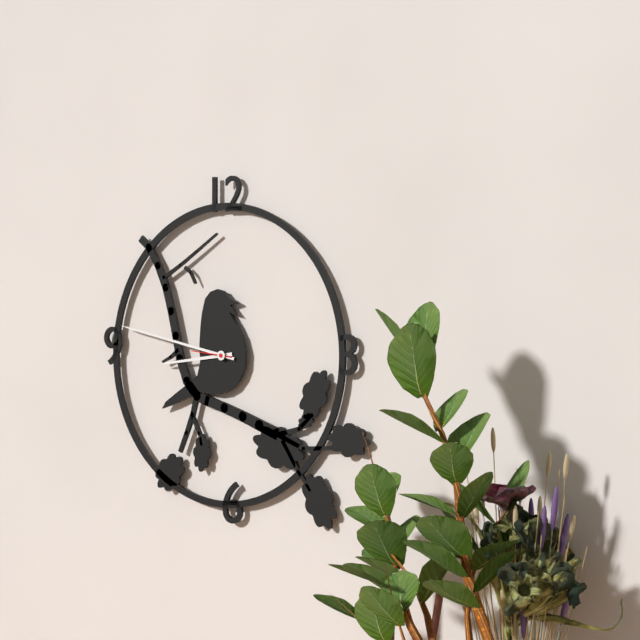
8:47:46
